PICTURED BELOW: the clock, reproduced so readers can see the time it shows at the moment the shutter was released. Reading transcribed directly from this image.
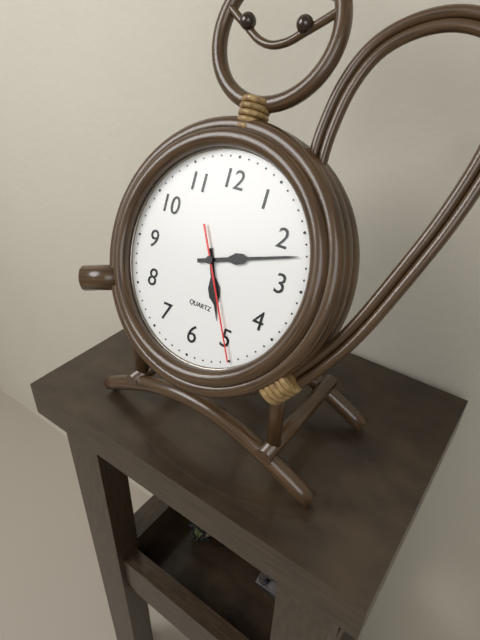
5:12:25
